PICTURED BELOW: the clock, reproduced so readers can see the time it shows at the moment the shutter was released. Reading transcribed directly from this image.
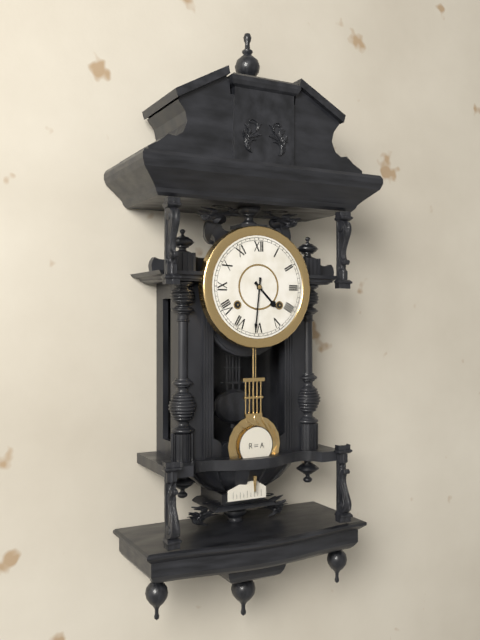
4:31
